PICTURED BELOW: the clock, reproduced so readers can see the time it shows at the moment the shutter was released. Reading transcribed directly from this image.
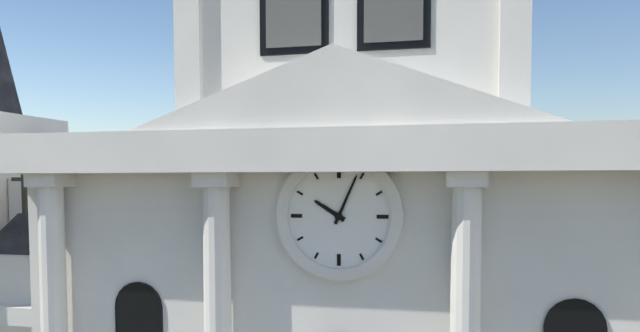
10:04
